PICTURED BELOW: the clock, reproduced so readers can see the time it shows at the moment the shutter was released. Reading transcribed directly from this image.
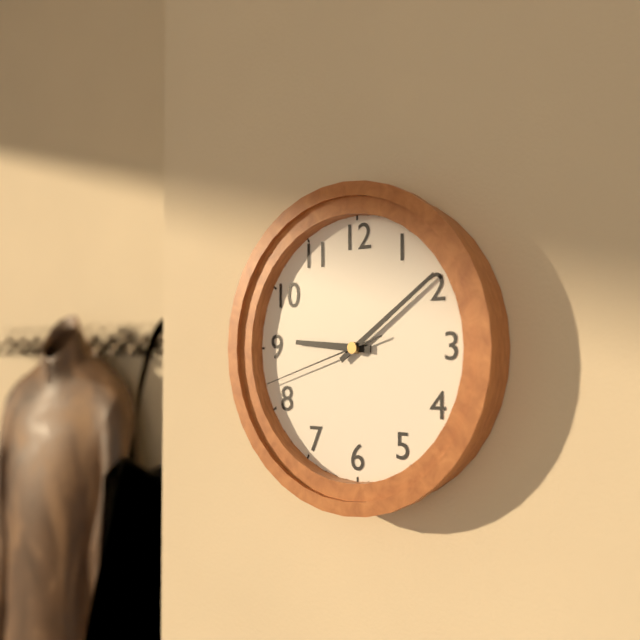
9:09:42
